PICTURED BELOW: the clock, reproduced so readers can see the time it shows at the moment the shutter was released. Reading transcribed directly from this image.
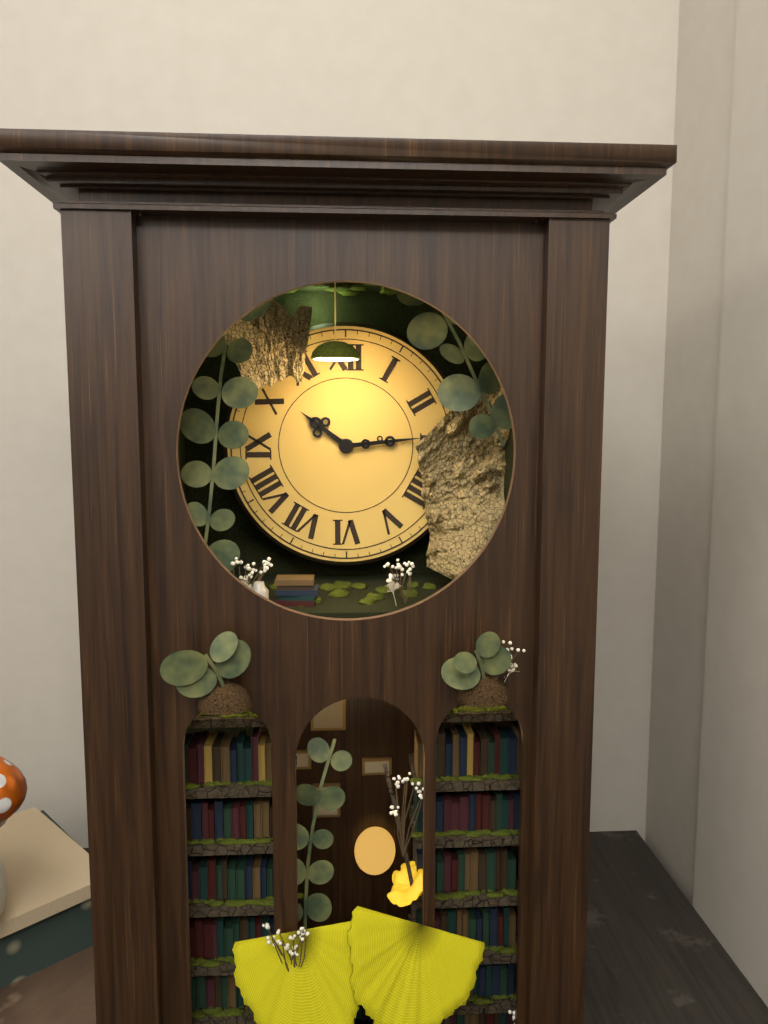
10:14
